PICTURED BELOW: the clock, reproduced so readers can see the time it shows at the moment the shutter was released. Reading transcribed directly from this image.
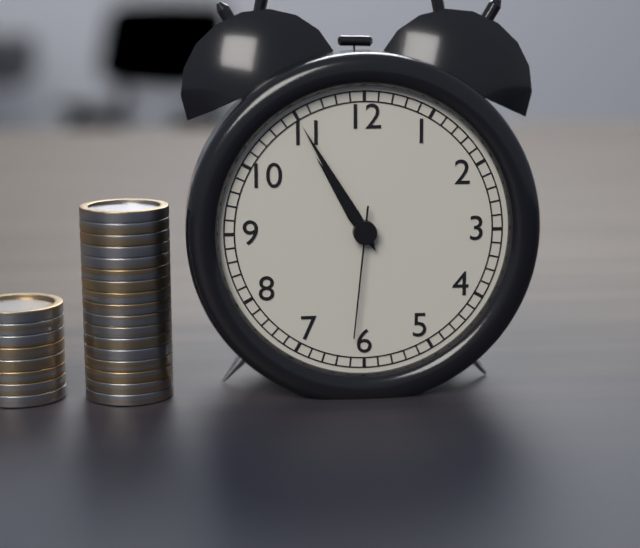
10:55:31
